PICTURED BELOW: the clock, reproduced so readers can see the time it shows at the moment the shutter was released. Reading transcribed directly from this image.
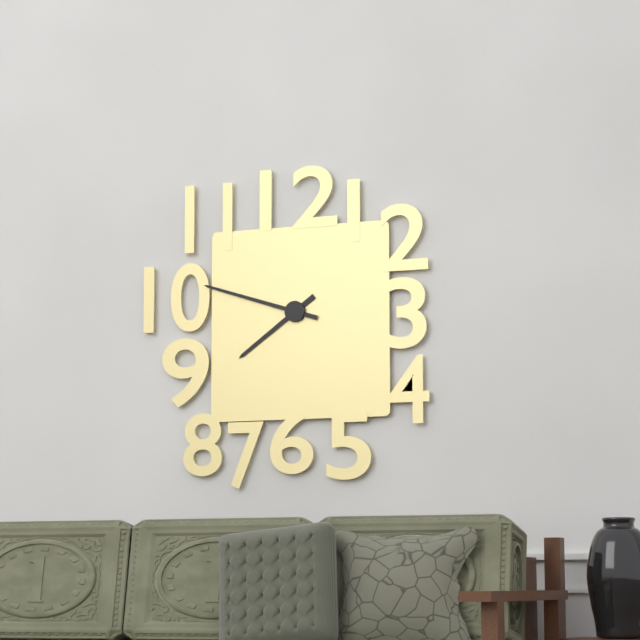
7:48
